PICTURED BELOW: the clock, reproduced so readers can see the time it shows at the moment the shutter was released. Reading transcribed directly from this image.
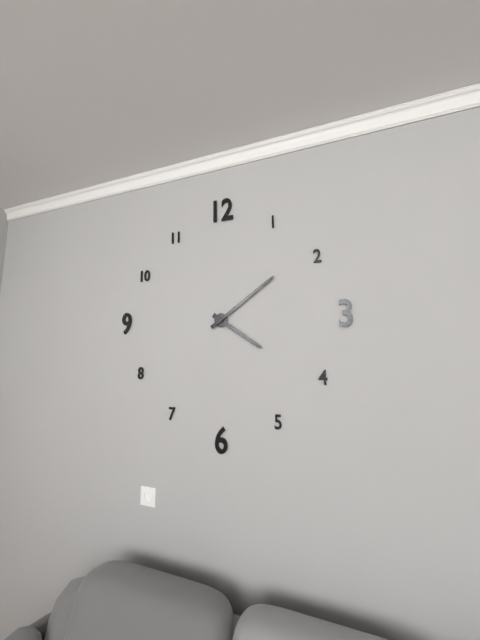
4:09
